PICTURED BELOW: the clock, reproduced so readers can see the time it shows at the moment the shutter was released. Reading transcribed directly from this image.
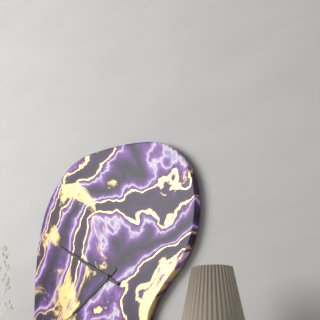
7:50
